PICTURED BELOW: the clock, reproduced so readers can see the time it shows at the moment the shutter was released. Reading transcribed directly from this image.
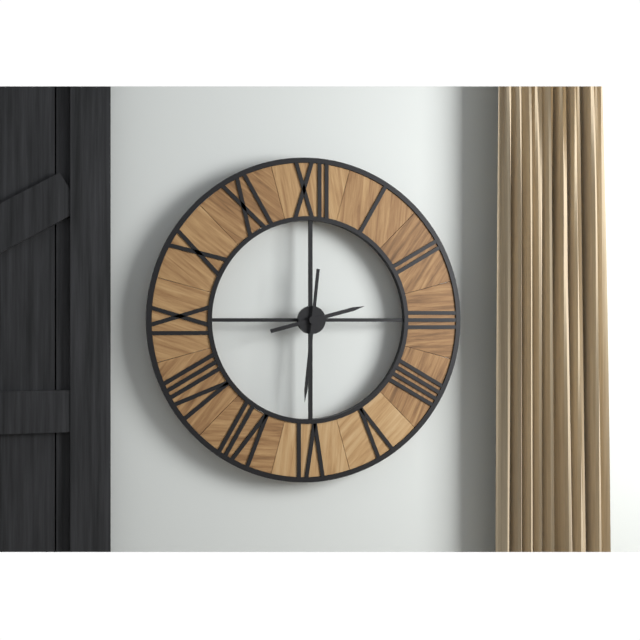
2:31
